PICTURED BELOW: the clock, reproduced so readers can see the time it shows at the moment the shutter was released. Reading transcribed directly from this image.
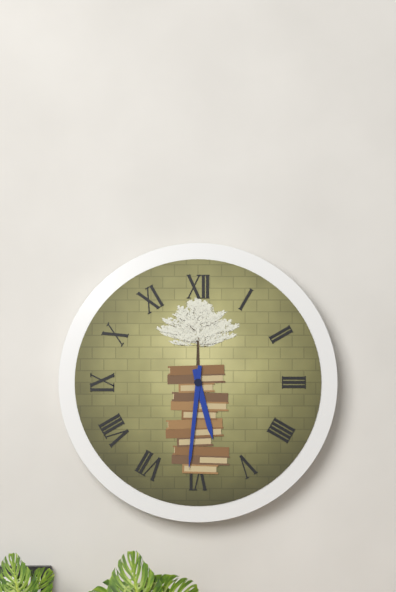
5:31
